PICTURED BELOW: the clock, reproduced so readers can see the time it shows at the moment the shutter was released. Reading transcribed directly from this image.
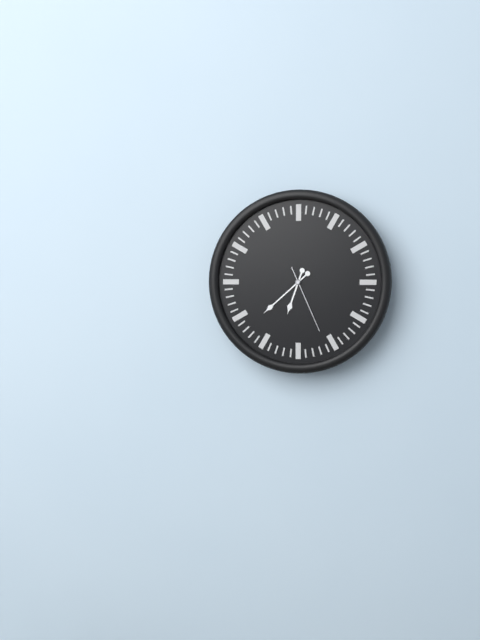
6:38:26
